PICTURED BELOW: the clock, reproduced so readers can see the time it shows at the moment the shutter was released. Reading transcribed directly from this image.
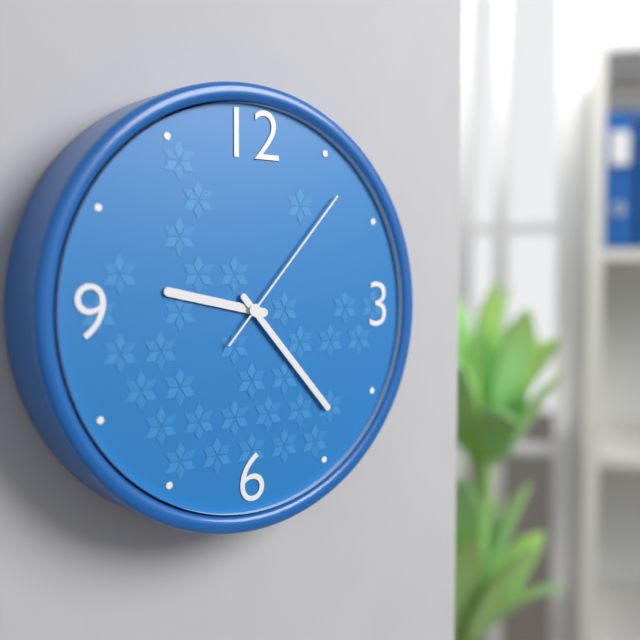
9:23:07
